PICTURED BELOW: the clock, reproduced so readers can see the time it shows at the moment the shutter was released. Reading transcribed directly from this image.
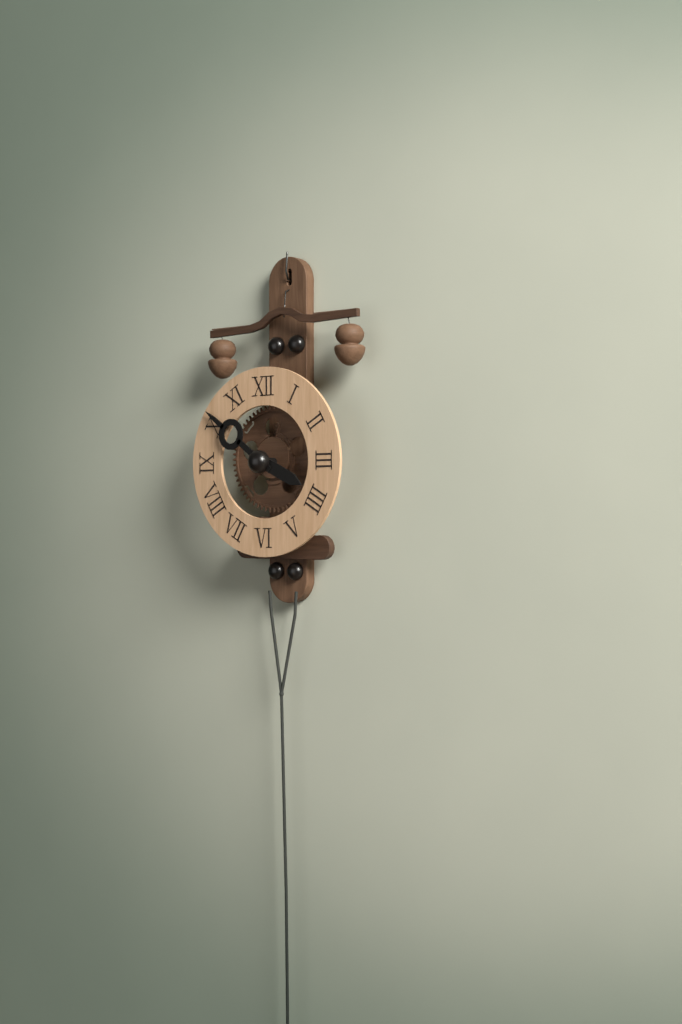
3:51
